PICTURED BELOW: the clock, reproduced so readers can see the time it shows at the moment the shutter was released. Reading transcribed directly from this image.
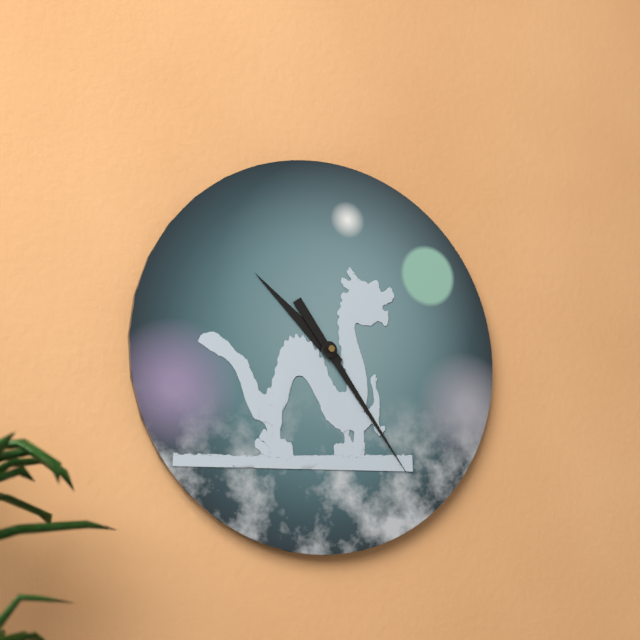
10:24
